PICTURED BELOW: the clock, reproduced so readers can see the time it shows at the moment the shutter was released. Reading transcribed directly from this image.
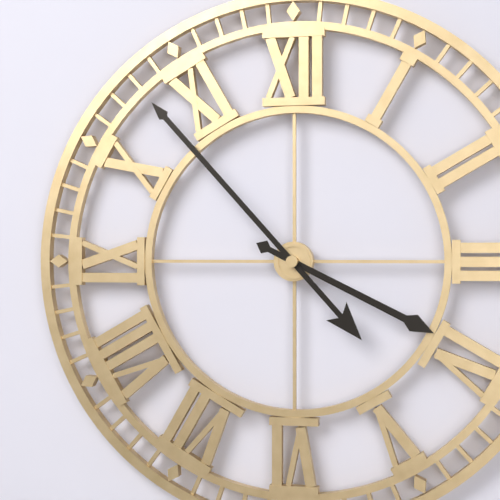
3:53
